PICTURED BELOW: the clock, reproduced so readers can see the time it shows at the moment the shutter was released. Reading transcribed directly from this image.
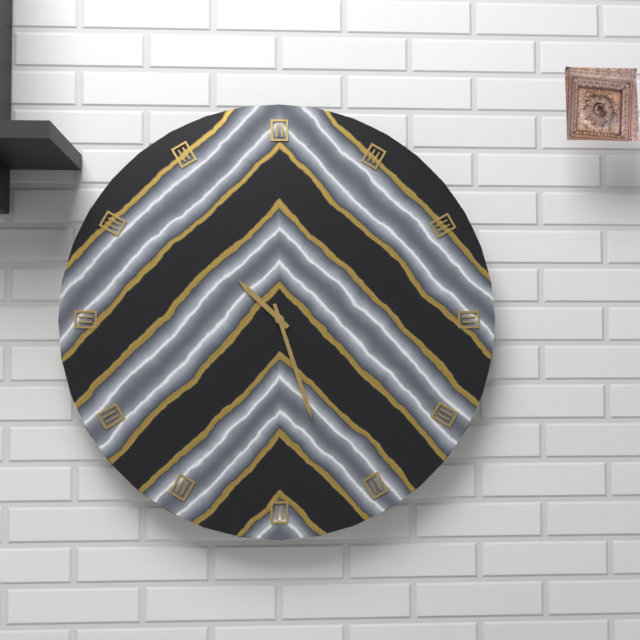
10:27
